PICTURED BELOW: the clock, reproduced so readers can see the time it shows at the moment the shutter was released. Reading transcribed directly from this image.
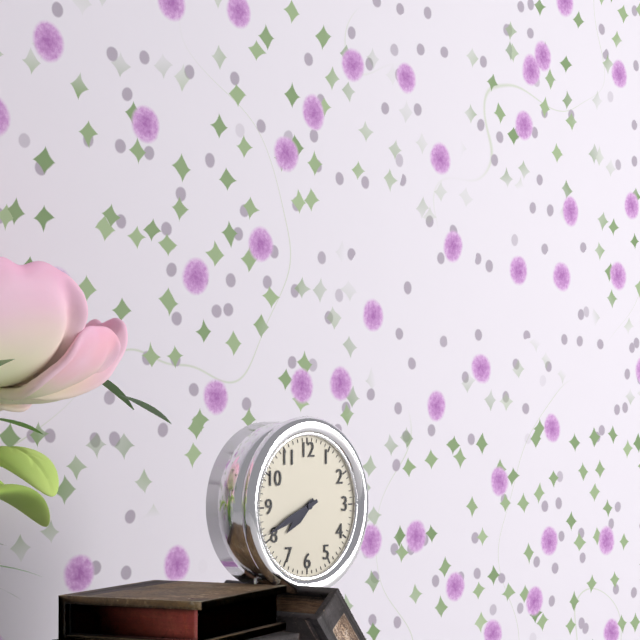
7:41
